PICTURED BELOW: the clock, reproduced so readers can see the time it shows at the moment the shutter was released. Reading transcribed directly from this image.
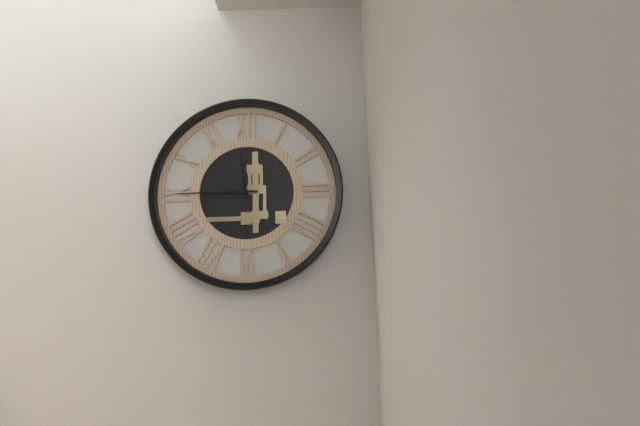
11:45
